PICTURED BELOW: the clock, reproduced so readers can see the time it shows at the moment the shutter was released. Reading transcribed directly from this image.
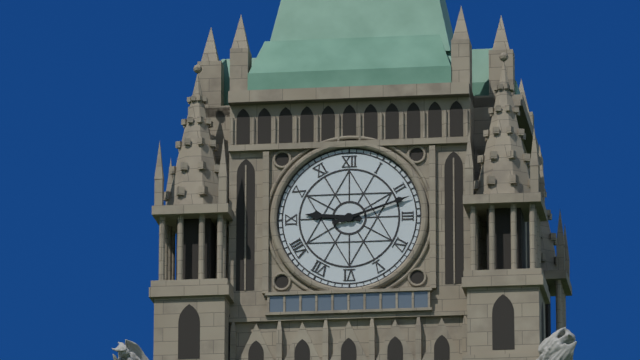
9:12
